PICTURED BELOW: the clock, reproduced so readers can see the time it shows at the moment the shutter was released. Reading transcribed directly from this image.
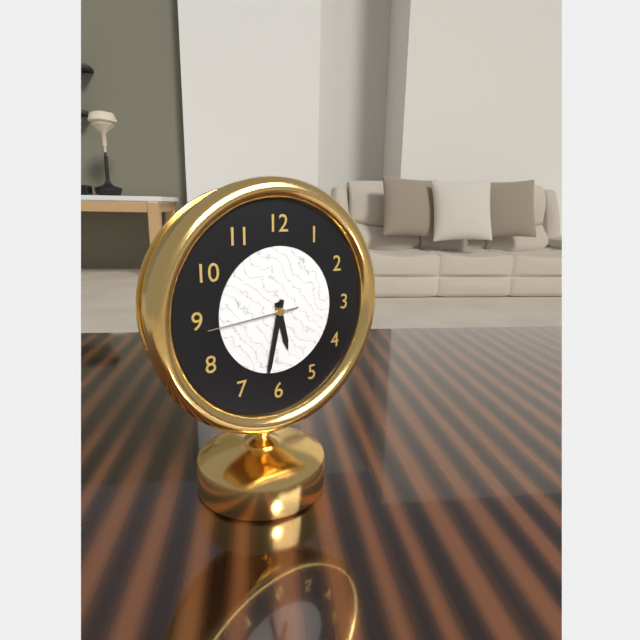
5:32:44
